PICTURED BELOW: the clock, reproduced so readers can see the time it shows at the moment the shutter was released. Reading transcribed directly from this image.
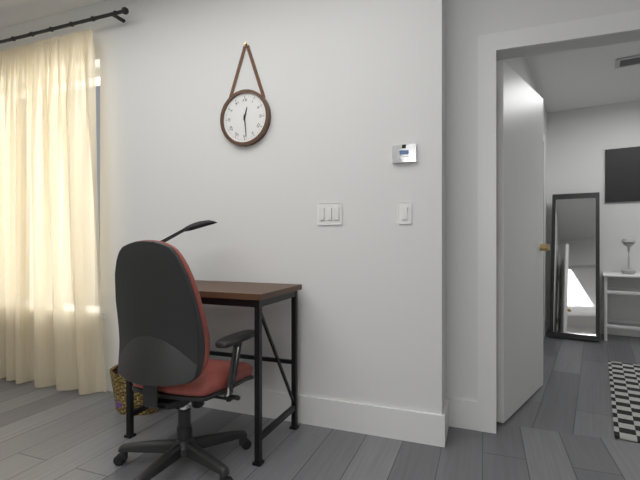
12:29
